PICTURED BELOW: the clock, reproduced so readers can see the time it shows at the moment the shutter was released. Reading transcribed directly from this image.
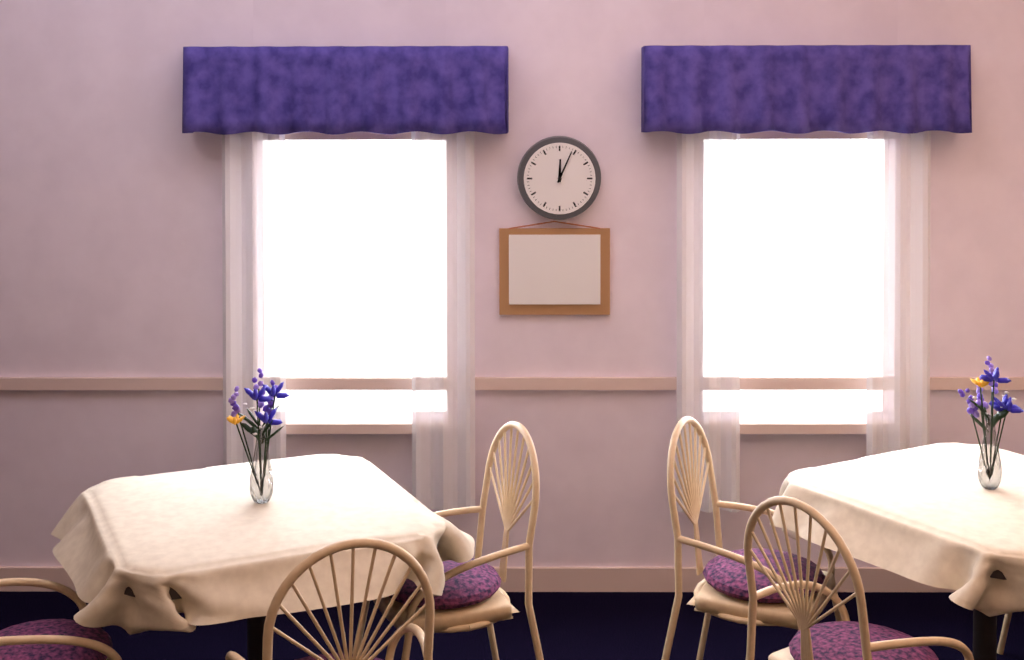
12:04
